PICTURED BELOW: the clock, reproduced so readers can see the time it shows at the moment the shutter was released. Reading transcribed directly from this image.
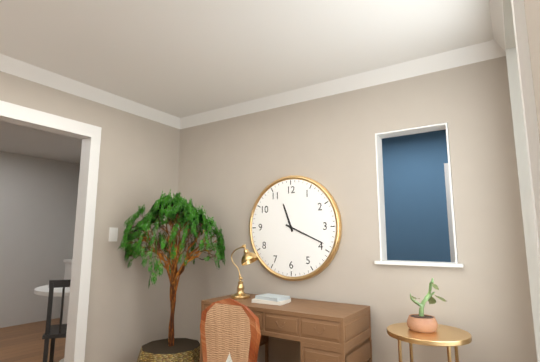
11:19
